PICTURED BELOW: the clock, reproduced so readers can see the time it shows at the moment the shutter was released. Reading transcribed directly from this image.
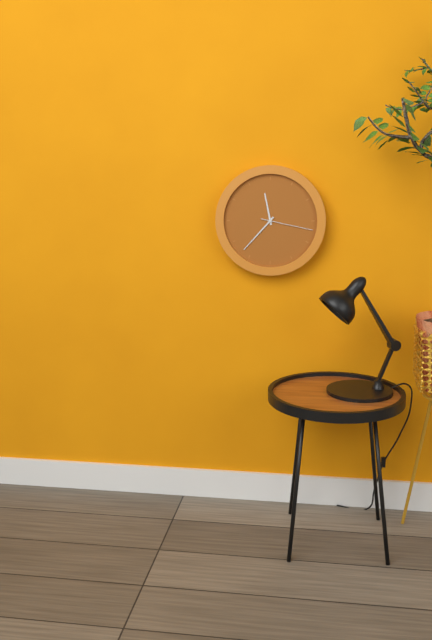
11:37:17
